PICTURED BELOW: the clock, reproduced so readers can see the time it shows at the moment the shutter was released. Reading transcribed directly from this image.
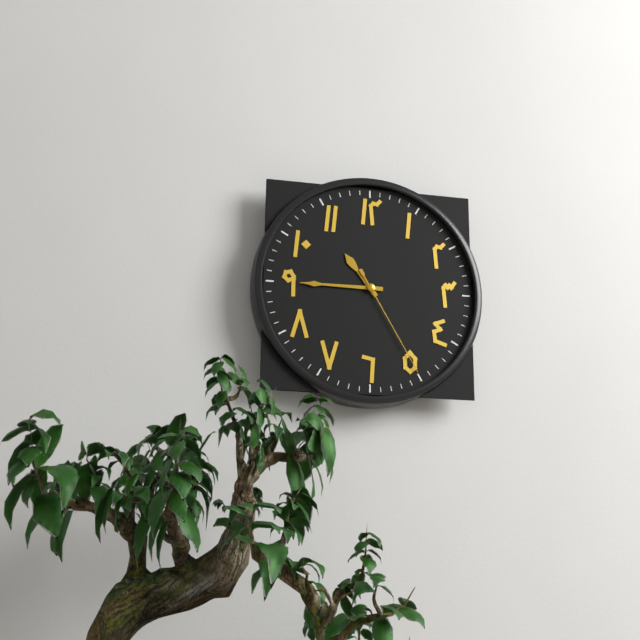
10:45:25
